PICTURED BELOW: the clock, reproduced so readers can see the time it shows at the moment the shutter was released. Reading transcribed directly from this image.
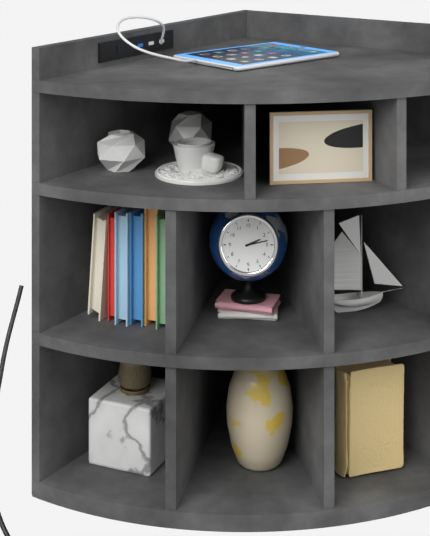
2:13
